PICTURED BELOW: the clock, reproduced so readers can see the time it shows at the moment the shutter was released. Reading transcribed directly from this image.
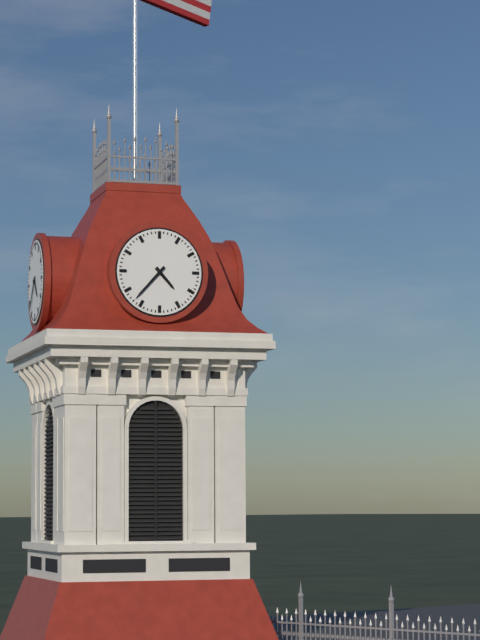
4:37
